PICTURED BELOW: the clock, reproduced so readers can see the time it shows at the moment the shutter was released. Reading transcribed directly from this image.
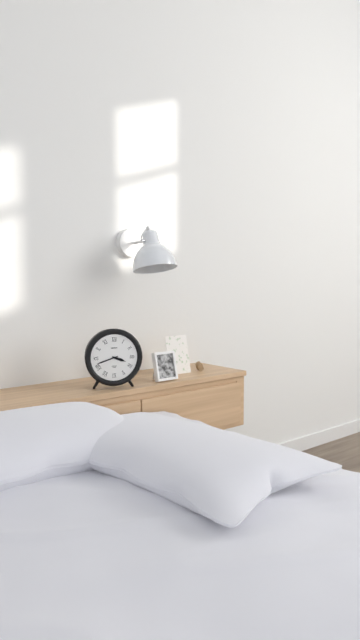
3:42
